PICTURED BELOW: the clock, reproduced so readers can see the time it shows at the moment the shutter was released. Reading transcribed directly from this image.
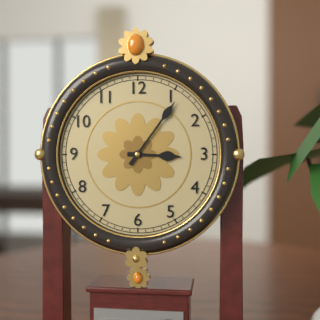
3:06
